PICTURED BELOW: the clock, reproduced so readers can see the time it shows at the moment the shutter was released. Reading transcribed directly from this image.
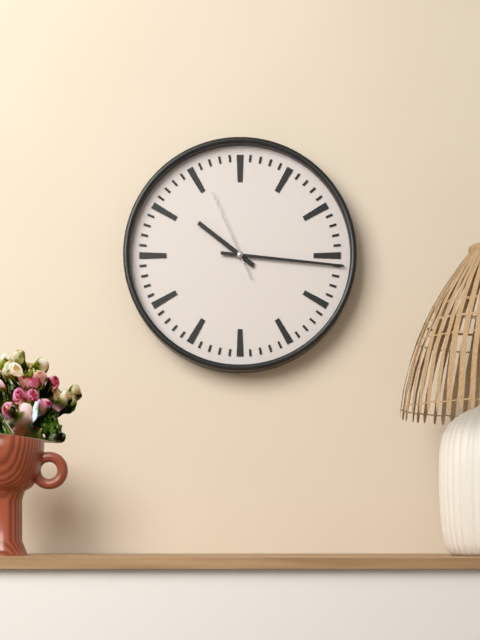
10:16:56
